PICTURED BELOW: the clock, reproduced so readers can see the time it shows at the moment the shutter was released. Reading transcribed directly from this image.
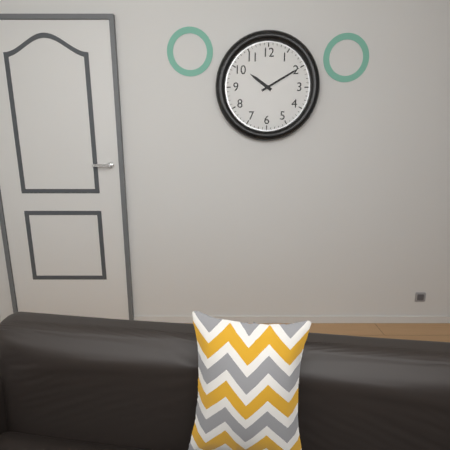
10:10
